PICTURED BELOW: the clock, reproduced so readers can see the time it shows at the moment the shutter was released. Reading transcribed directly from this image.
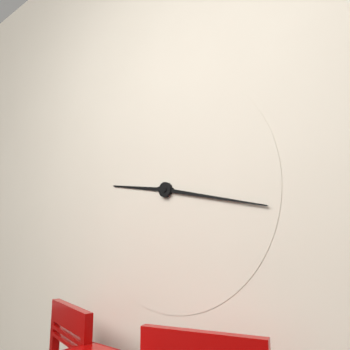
9:17
